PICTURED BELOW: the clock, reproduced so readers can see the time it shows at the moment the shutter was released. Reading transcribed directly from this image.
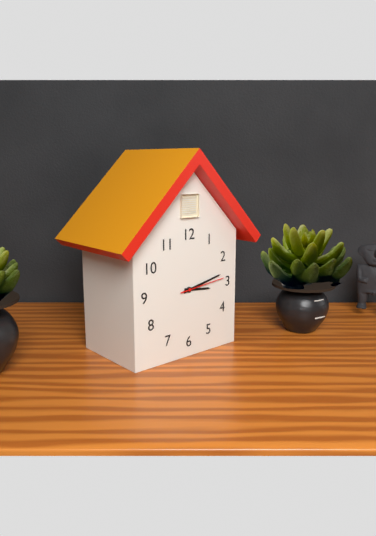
3:13
